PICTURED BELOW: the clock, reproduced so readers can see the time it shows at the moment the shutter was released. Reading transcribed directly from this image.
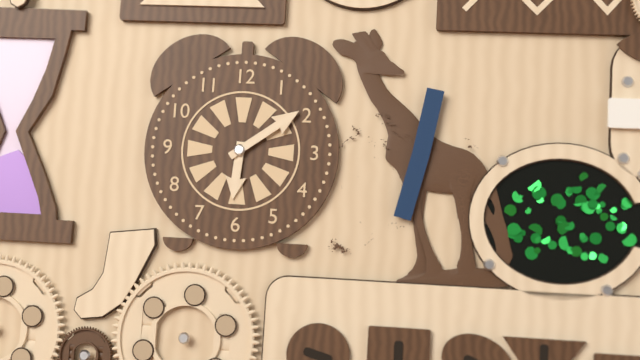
6:09
